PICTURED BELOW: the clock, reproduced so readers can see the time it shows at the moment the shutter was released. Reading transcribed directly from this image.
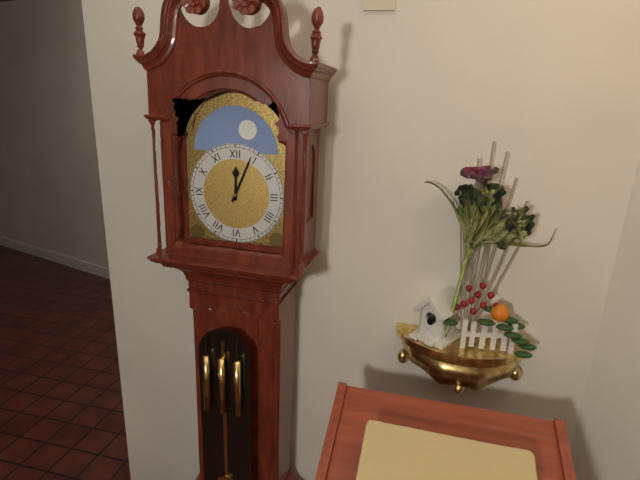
12:04
